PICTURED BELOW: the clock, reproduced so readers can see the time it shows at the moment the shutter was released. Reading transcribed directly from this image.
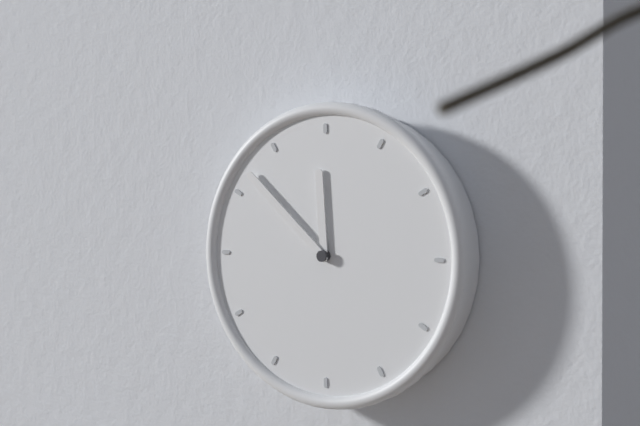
11:52
